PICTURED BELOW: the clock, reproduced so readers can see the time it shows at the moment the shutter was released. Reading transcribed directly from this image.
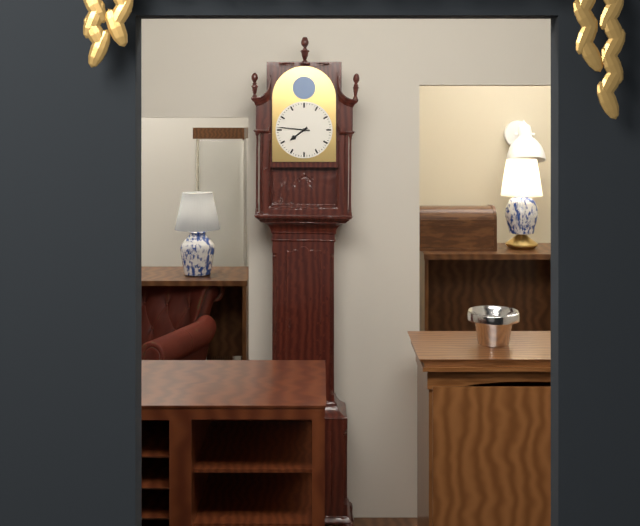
7:46
